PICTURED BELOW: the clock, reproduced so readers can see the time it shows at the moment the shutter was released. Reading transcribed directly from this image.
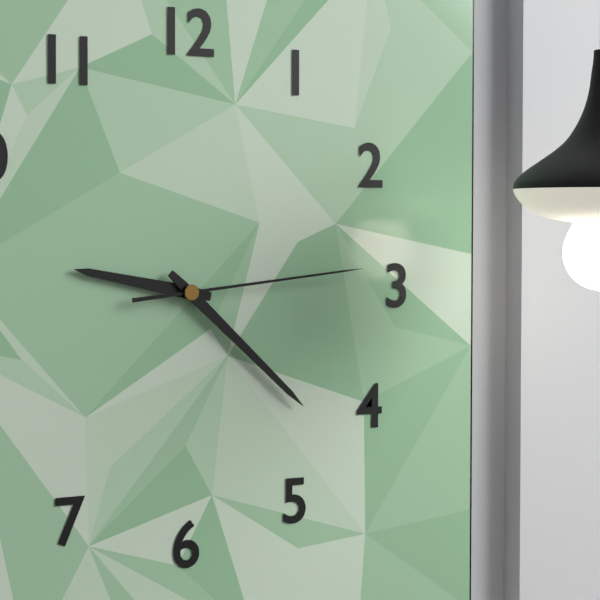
9:22:14
